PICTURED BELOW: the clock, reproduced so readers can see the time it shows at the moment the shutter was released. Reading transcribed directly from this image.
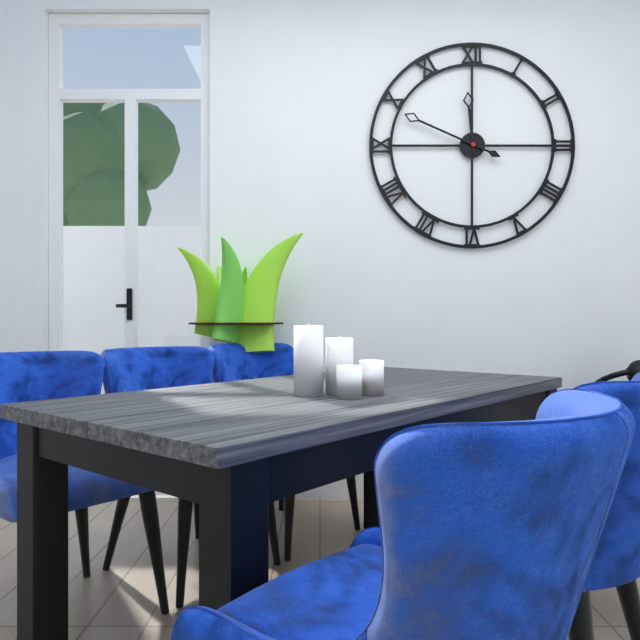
11:49
